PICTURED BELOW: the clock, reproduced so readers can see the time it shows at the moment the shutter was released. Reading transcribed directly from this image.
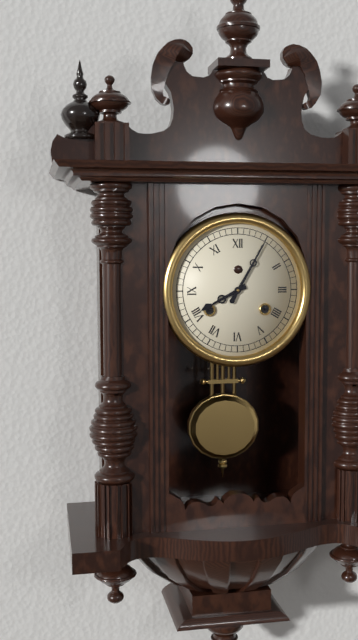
8:05
